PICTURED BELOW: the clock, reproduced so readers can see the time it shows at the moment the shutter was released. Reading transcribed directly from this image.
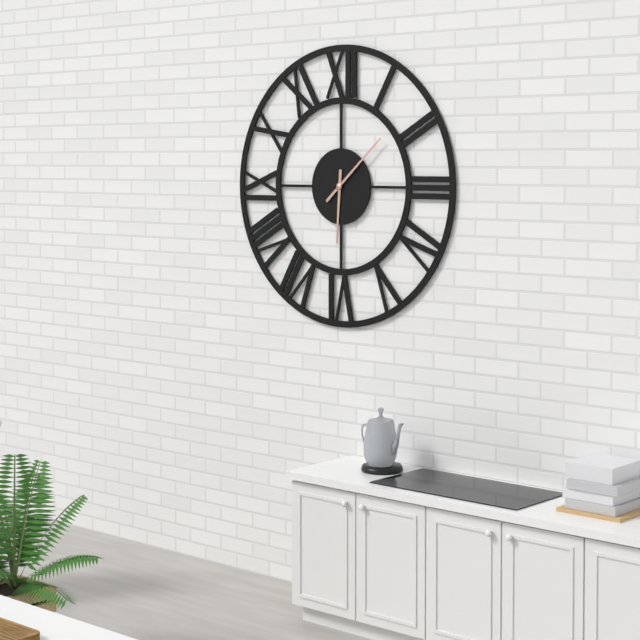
6:08
